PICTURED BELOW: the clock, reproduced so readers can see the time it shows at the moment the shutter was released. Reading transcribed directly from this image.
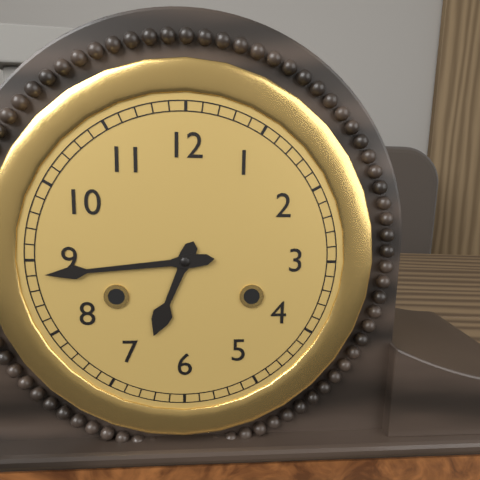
6:44
